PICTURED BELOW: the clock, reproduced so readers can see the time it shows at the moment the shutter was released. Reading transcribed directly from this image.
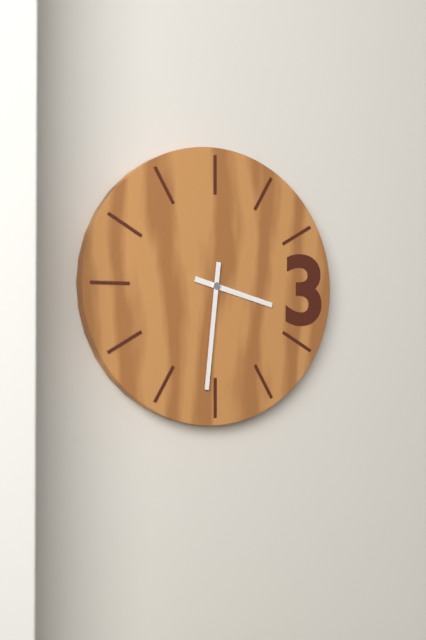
3:31
